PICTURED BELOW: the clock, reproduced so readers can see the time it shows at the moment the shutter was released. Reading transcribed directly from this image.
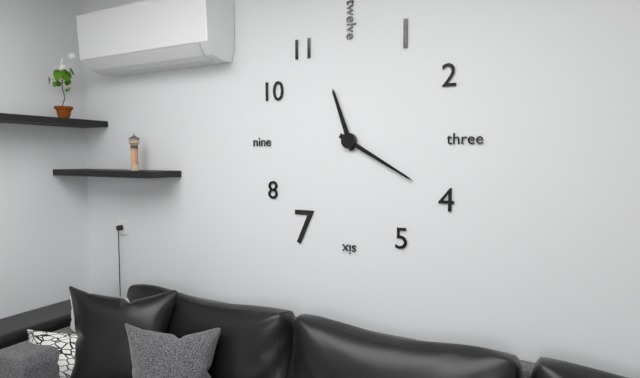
11:20
